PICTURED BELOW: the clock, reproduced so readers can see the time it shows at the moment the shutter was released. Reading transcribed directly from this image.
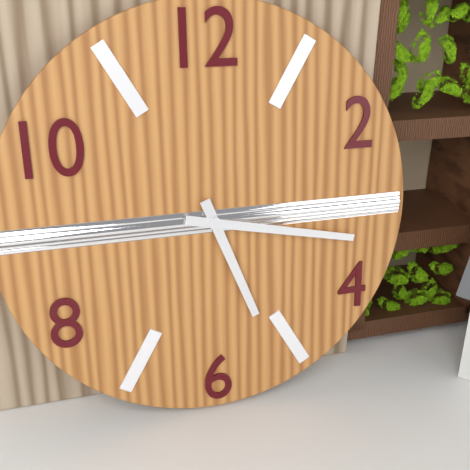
5:17
